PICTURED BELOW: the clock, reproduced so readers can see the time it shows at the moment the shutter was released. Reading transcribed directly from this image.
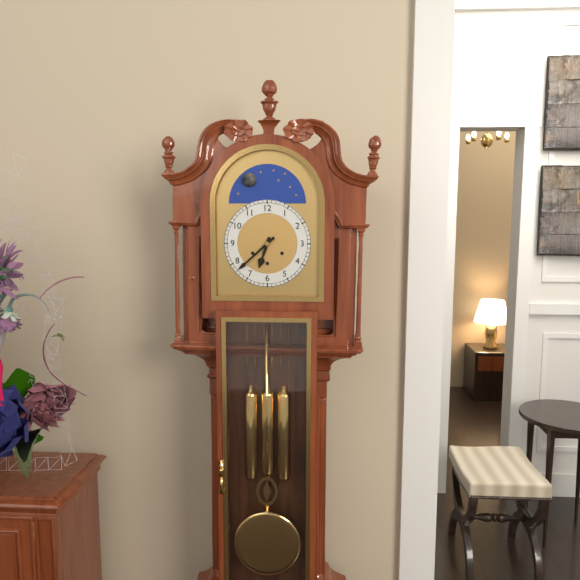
6:38
